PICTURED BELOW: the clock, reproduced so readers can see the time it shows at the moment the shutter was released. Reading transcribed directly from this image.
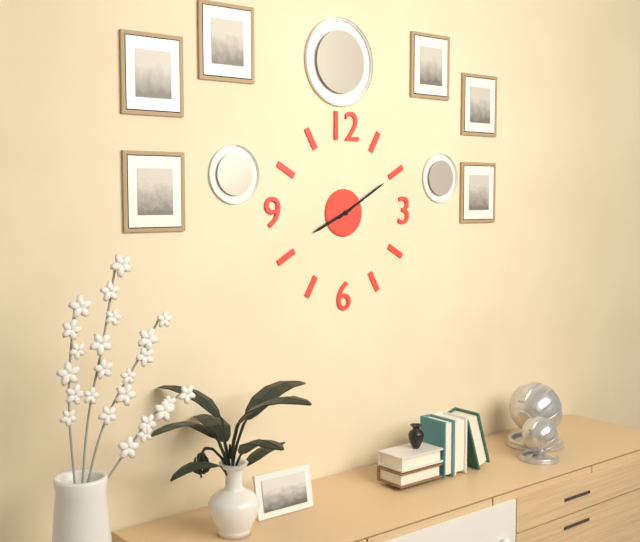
8:10
